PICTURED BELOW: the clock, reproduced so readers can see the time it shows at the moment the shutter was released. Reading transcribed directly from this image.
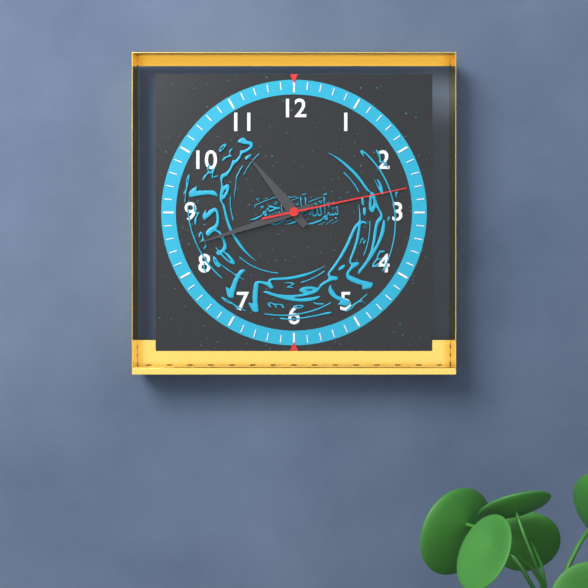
10:42:13
